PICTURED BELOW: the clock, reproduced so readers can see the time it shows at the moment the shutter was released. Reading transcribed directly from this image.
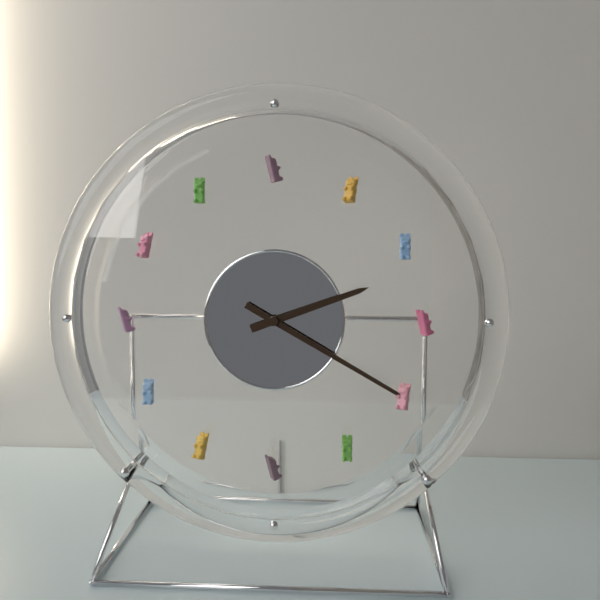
2:20
